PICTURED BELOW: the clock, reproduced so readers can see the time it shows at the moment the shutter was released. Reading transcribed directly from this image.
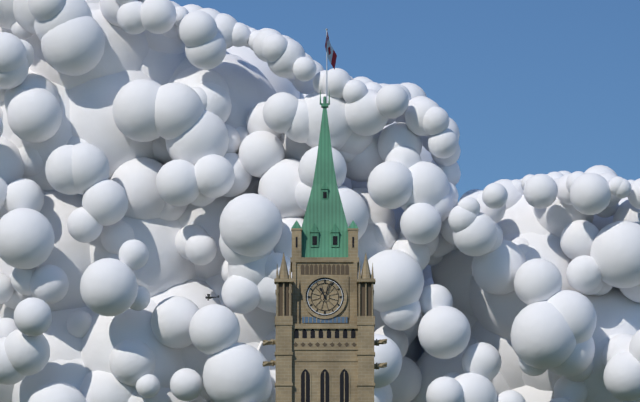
11:04
